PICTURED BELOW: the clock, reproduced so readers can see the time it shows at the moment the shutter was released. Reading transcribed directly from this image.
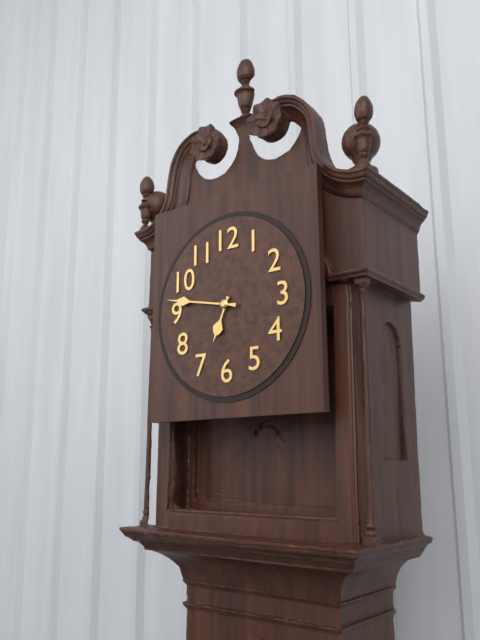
6:47
